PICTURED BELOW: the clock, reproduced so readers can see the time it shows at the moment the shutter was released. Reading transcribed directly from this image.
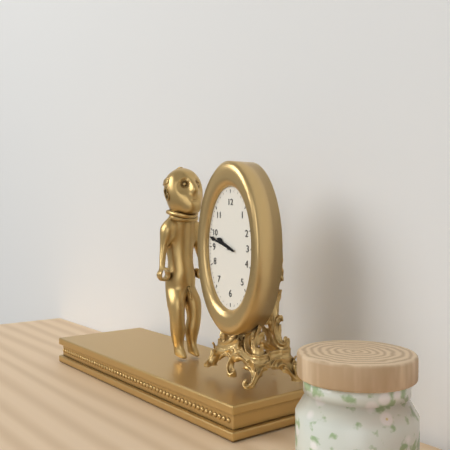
9:48
